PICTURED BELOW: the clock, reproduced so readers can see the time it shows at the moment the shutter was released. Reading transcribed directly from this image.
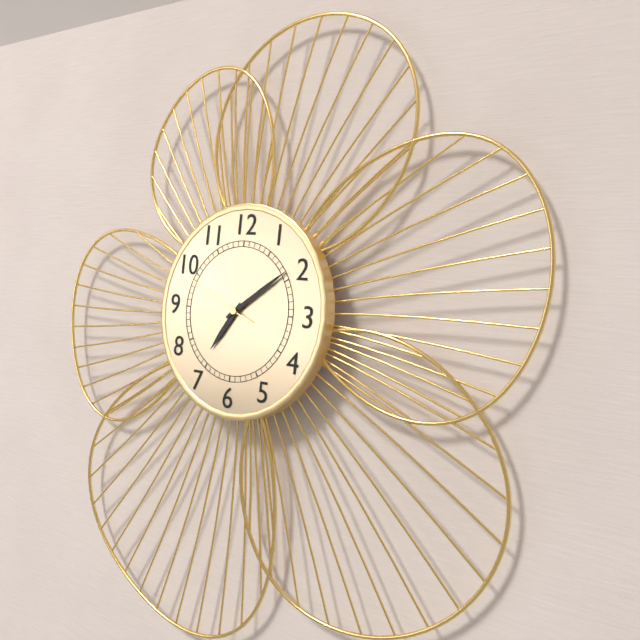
7:09:49
